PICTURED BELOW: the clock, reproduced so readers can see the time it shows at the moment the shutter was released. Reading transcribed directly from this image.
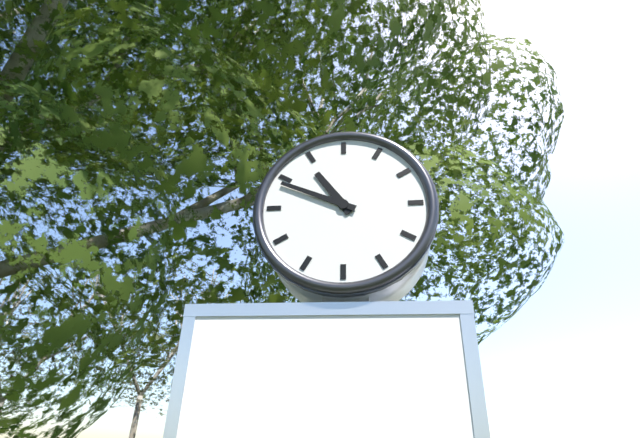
10:49
